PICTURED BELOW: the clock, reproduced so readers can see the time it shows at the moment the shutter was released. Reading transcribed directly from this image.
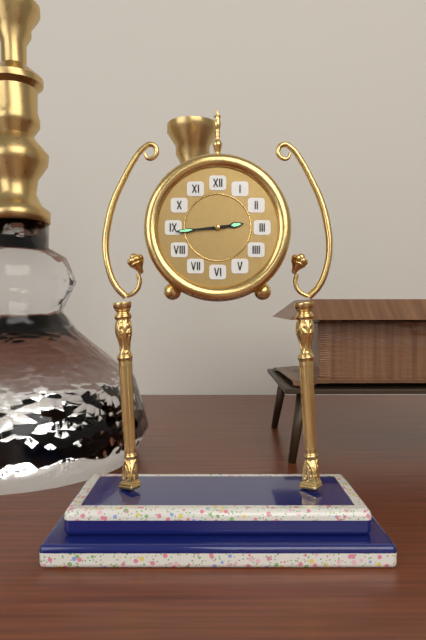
2:44
